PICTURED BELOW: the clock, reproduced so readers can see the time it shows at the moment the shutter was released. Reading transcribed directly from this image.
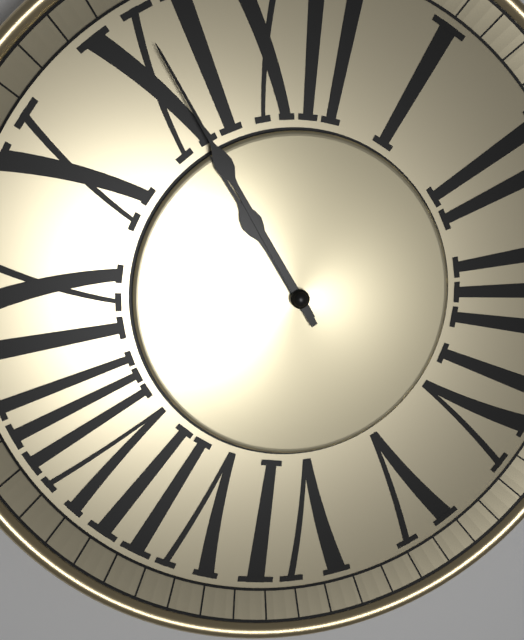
10:55
